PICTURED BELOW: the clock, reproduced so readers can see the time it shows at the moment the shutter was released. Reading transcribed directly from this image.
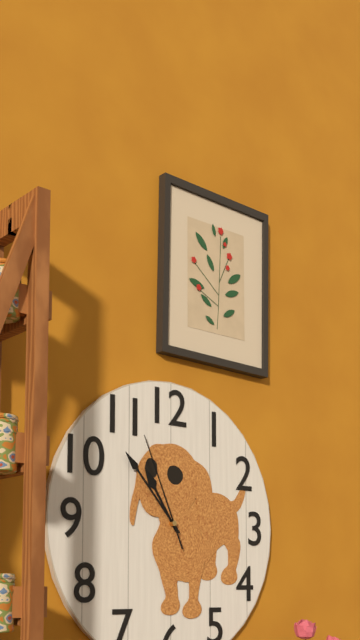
10:53:56
